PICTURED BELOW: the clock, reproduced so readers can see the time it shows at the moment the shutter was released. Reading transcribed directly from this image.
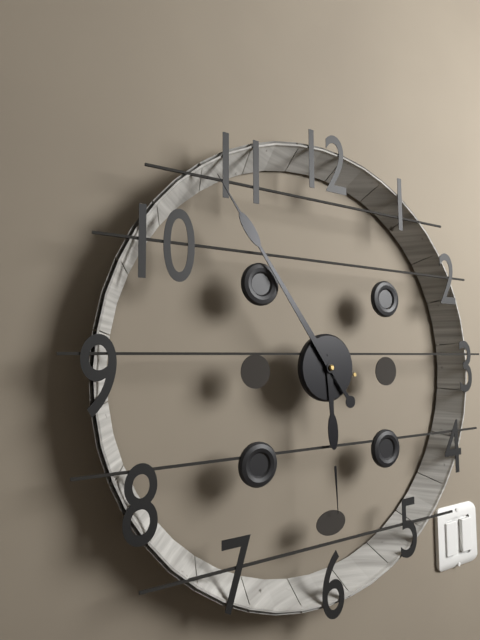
5:54
